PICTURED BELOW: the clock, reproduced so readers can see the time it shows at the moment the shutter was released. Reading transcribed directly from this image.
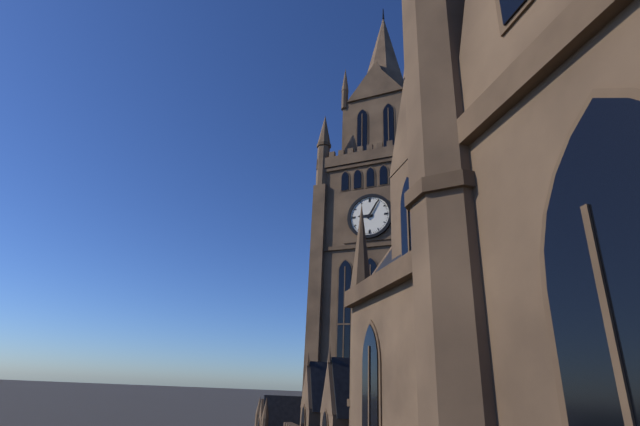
9:05
